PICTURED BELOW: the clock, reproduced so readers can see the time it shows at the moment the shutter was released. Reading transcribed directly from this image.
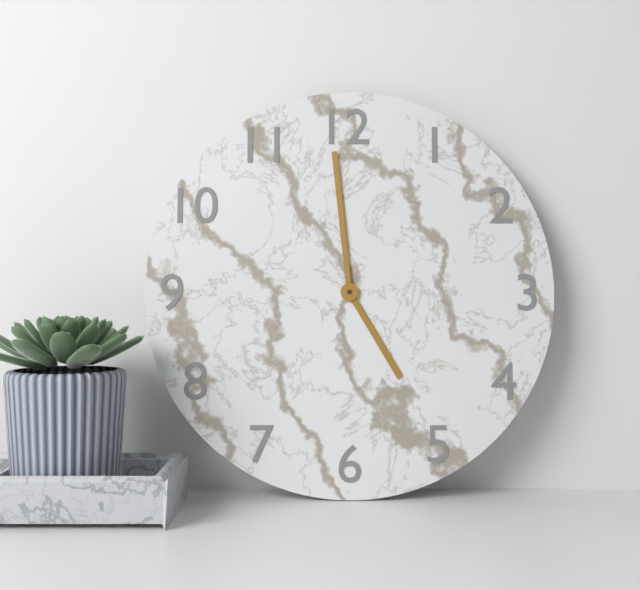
4:59
